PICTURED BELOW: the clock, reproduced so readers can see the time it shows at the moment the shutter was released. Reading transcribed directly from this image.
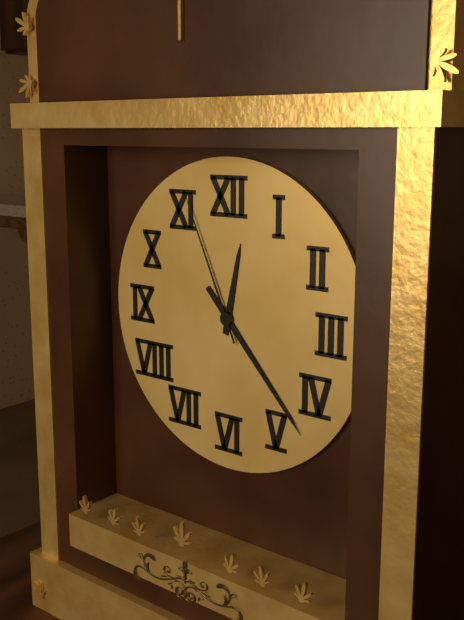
12:23:56
